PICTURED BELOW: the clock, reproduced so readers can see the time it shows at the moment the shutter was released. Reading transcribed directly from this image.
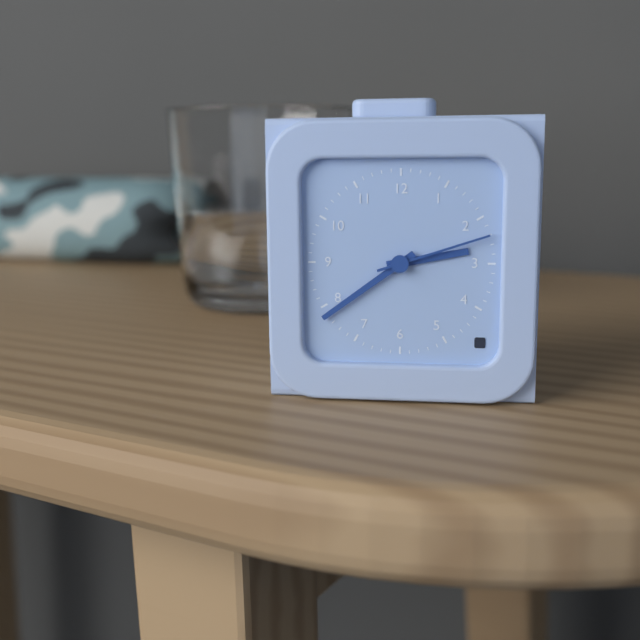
2:39:12
